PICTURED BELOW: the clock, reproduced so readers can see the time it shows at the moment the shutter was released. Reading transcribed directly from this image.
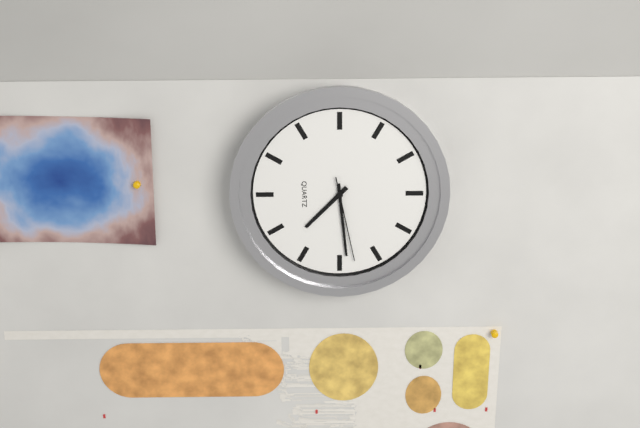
7:29:28
